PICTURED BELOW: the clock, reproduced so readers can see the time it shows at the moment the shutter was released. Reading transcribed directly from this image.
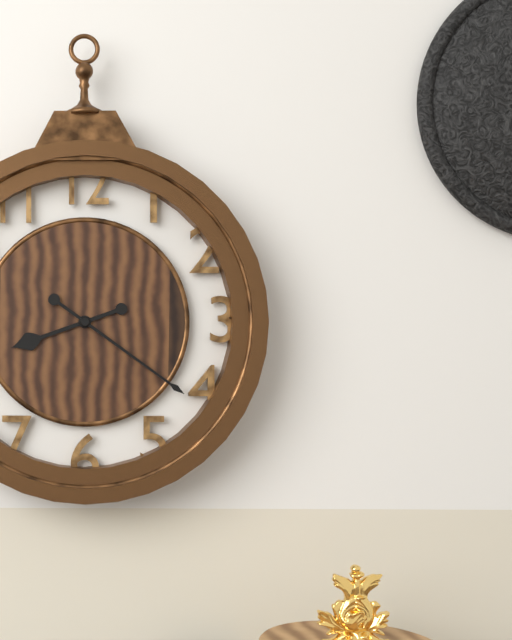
8:21
